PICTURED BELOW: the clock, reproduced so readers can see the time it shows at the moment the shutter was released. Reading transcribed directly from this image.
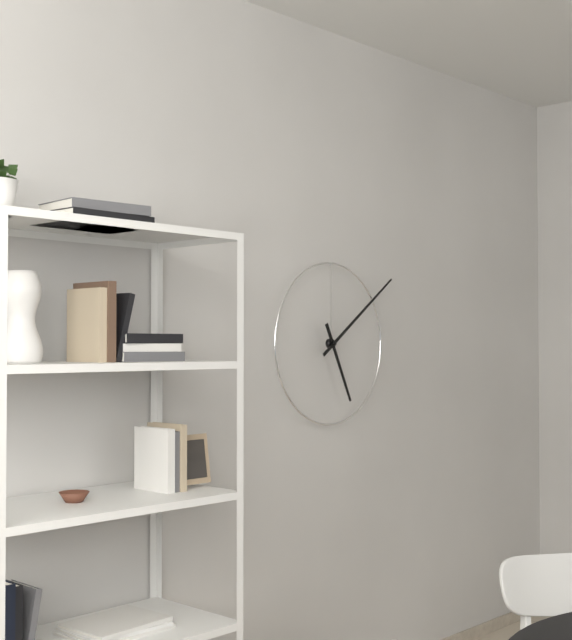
5:09
